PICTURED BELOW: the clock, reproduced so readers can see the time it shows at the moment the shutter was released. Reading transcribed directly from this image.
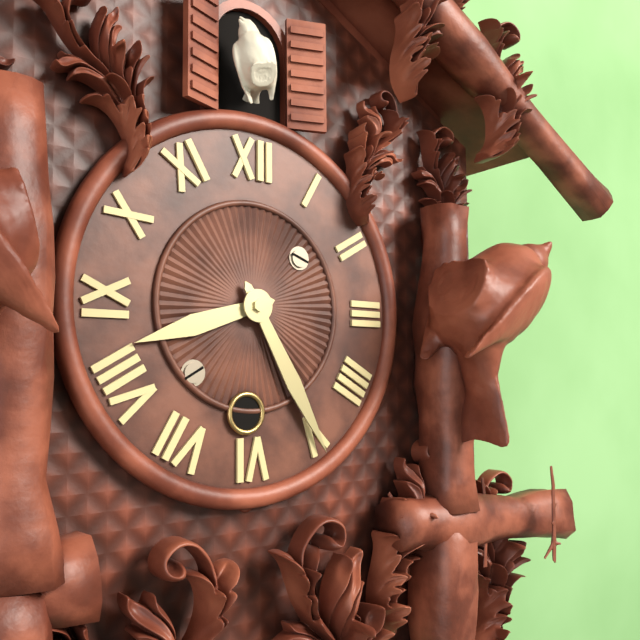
8:25
